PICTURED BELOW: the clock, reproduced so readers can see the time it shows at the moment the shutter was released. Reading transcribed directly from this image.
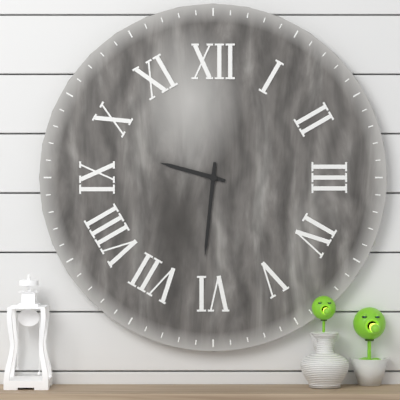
9:31
